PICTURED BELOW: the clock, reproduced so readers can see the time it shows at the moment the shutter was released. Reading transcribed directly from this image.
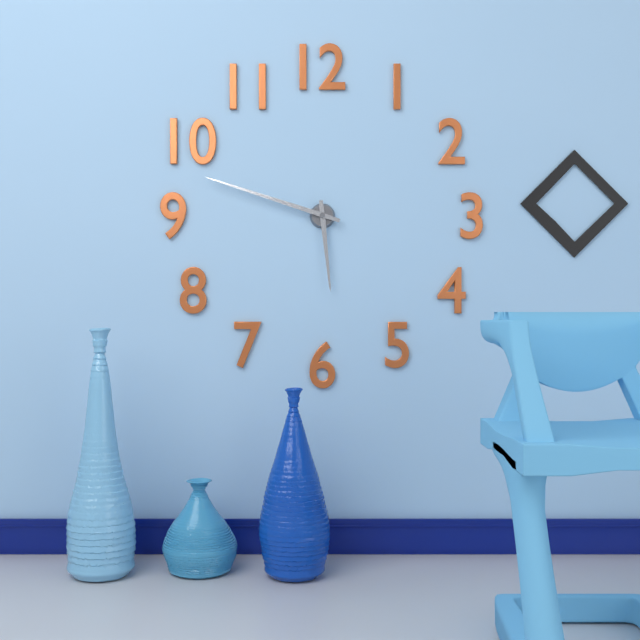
5:48
